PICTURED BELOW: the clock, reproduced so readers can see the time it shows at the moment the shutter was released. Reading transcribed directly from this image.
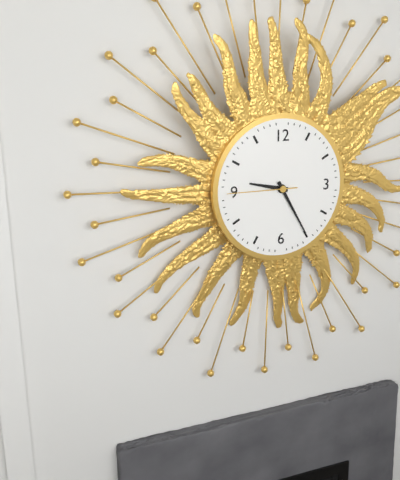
9:25:45
